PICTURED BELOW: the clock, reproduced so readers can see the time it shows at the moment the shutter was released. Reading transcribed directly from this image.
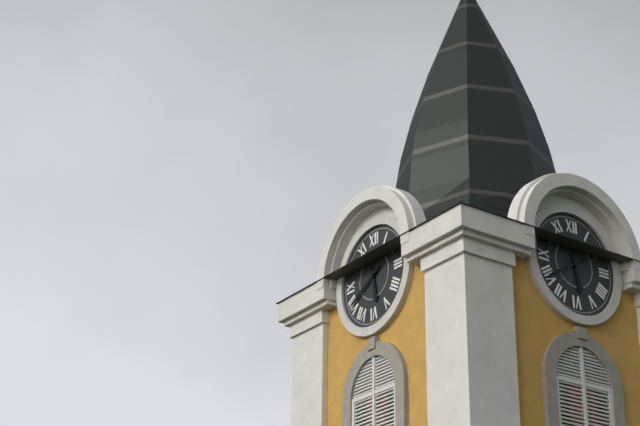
5:40
